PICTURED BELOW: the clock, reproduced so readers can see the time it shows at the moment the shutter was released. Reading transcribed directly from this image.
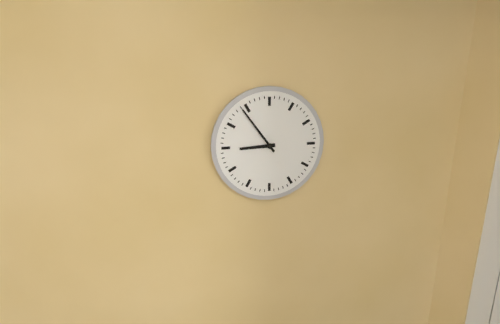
8:54
